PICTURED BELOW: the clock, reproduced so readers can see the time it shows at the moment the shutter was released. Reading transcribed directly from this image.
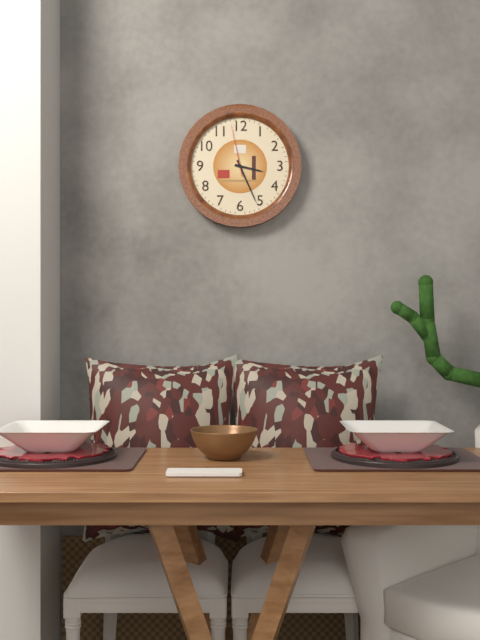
3:26:58
